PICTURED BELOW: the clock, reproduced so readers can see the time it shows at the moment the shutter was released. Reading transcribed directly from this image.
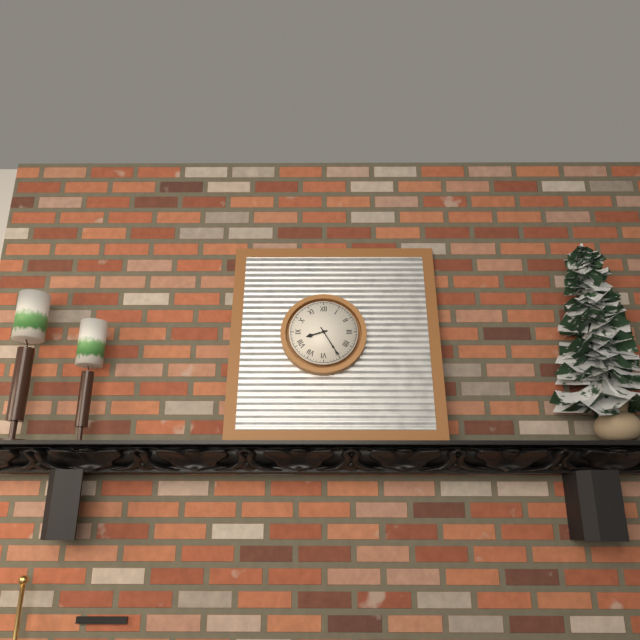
8:25
